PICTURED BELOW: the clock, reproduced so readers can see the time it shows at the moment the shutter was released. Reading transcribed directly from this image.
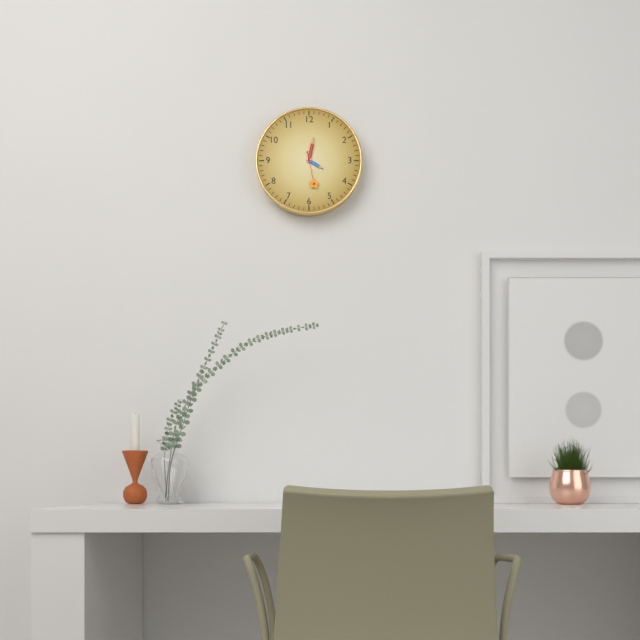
4:02
